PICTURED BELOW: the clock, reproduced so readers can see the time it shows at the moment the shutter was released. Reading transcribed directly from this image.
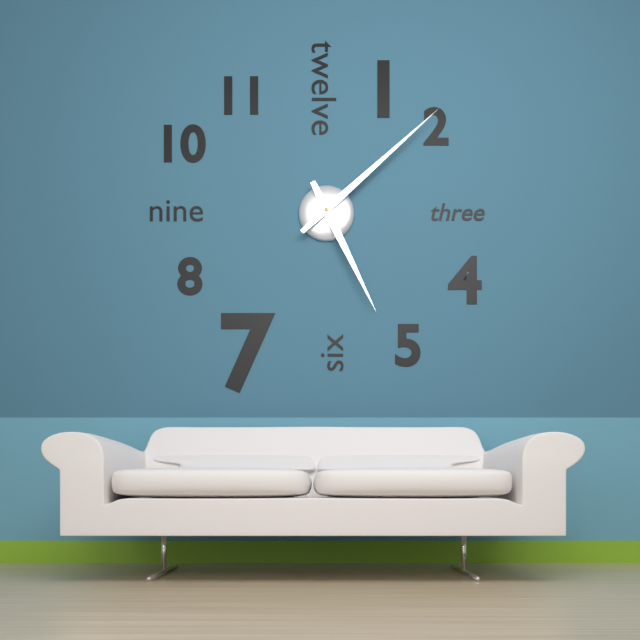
5:08
